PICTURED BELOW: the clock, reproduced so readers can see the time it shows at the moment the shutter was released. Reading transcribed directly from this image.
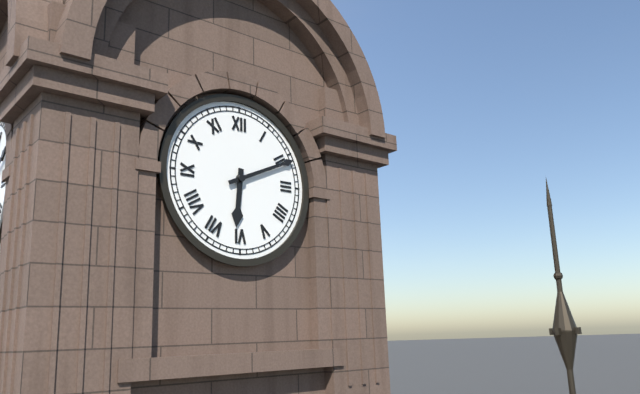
6:11
